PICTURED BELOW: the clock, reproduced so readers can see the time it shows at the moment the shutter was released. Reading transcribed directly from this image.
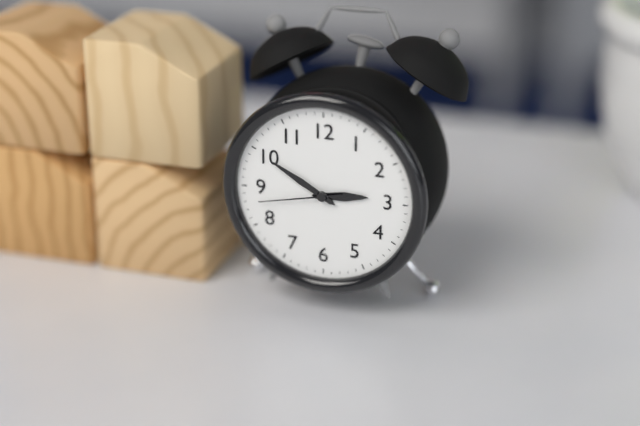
2:50:43
